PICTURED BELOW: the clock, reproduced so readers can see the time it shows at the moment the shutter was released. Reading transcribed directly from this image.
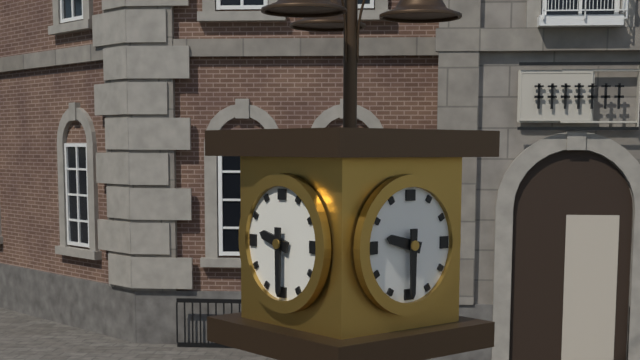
9:30
